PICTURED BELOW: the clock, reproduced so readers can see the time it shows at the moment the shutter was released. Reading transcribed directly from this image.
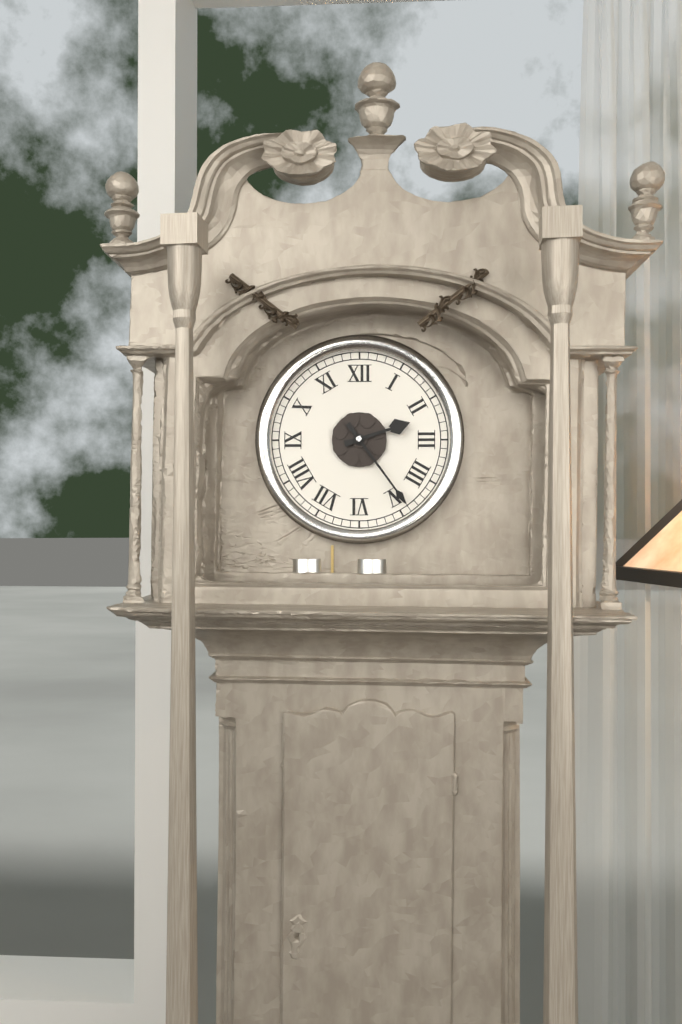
2:24
